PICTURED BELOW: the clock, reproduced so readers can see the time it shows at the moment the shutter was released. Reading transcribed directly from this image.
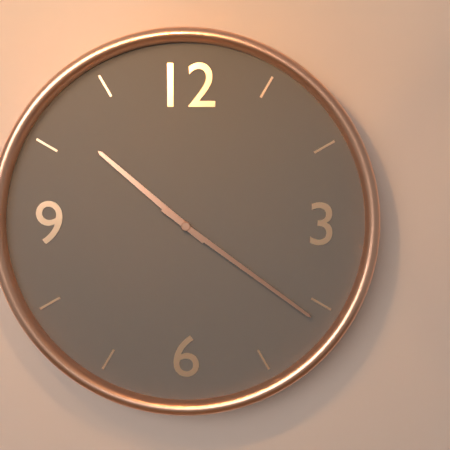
10:21
